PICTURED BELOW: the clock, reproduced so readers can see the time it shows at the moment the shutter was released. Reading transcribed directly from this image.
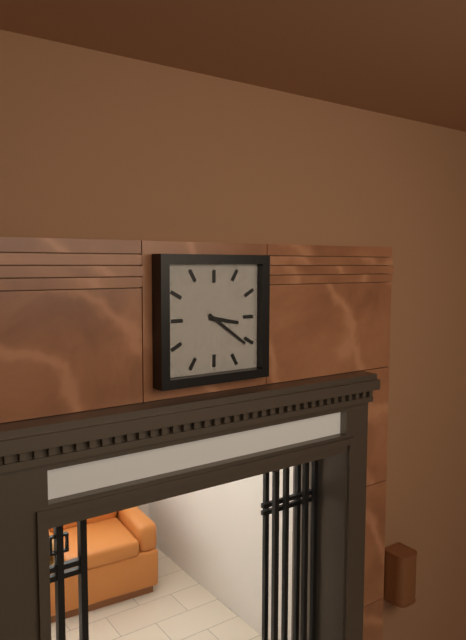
3:21
